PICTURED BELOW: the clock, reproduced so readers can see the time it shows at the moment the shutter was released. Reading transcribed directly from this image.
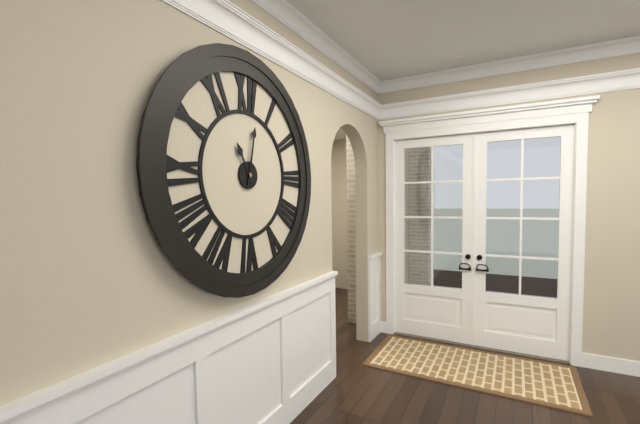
11:02
